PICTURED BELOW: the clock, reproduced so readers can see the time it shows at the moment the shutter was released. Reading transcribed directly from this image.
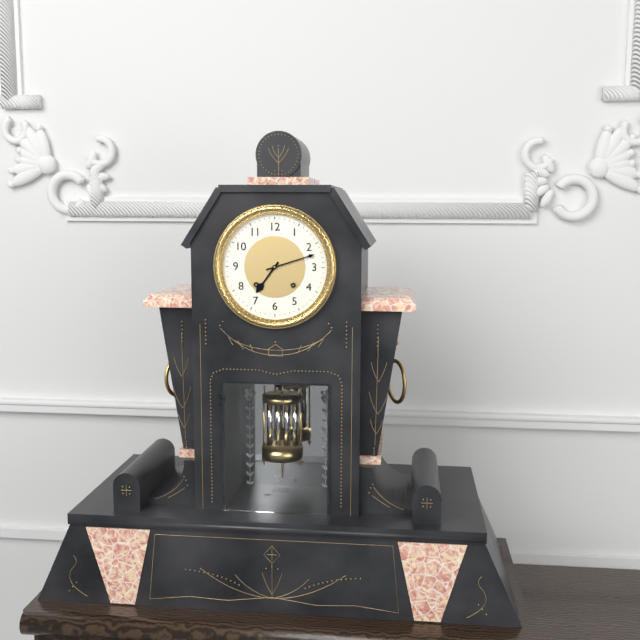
7:12
